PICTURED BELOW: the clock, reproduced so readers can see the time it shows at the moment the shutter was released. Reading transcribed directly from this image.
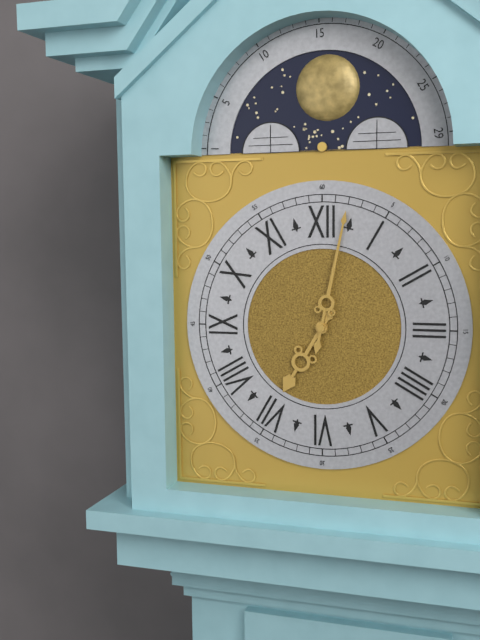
7:02
